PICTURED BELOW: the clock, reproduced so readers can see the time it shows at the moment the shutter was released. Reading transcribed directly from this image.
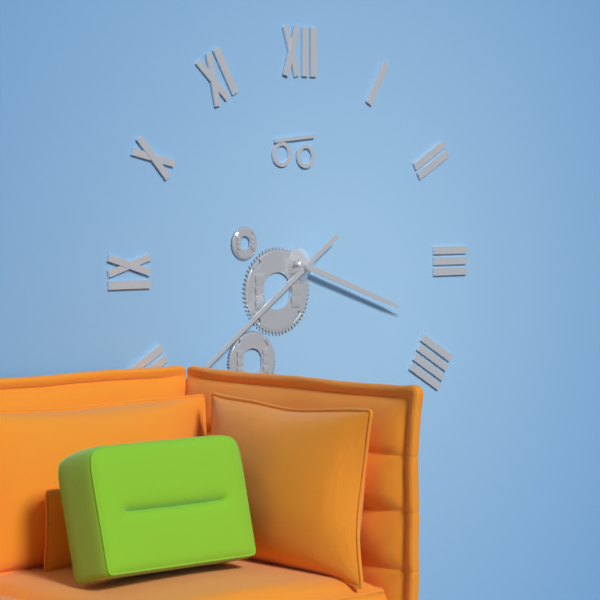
3:39
